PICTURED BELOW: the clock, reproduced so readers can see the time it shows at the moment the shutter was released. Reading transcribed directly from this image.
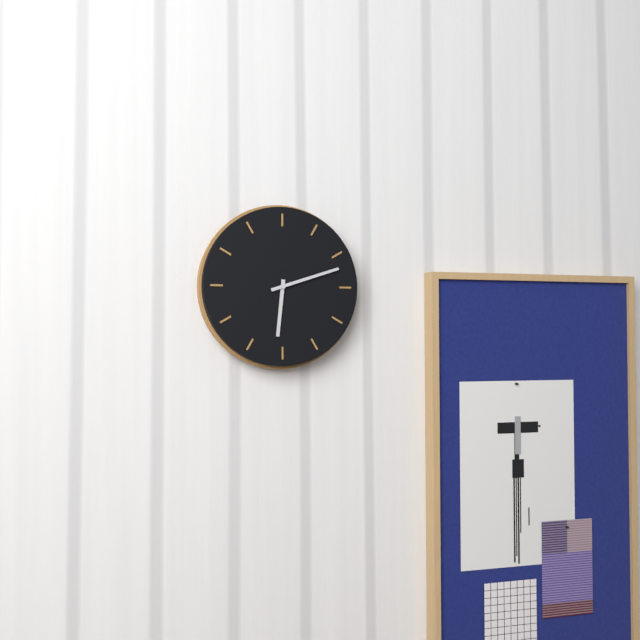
6:12
